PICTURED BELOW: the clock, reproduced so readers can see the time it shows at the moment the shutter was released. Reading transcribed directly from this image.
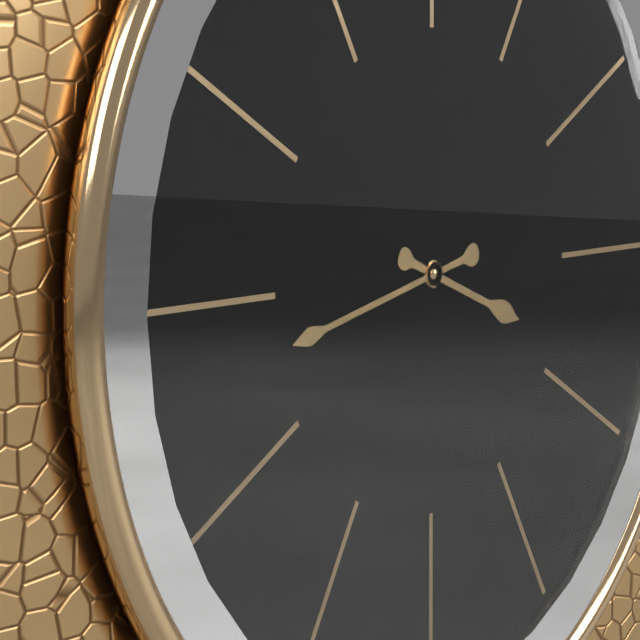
3:43
